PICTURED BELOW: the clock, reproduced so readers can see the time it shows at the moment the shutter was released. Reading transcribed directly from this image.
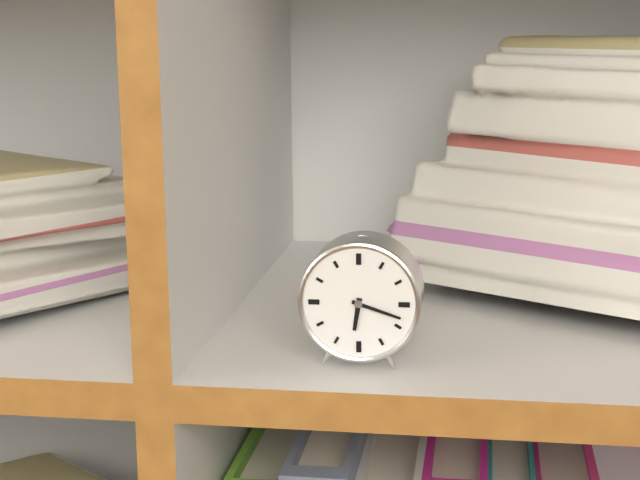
6:18
